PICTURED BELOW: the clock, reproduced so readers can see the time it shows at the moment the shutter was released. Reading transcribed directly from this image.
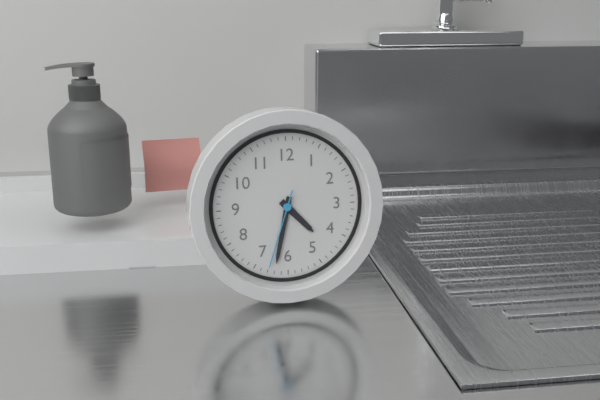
4:32:33
